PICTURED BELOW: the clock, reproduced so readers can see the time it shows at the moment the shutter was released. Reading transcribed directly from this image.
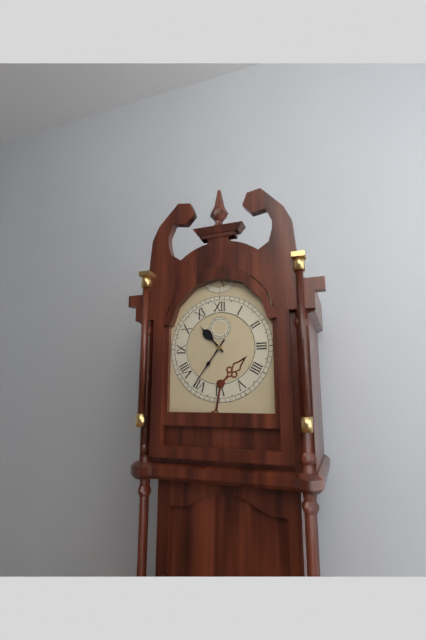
10:36
